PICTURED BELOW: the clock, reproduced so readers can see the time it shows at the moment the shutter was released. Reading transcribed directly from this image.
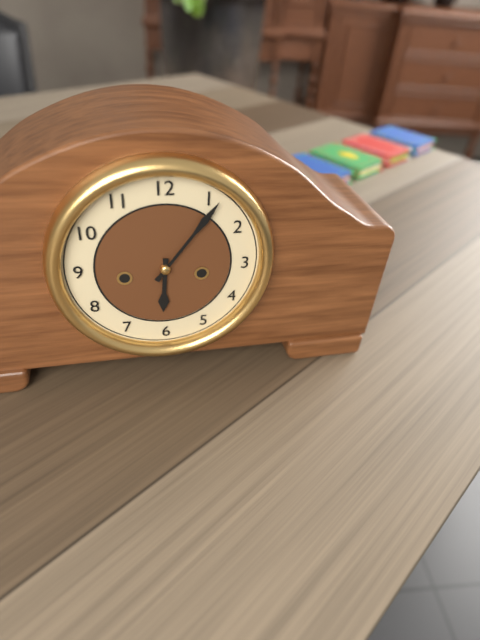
6:06
